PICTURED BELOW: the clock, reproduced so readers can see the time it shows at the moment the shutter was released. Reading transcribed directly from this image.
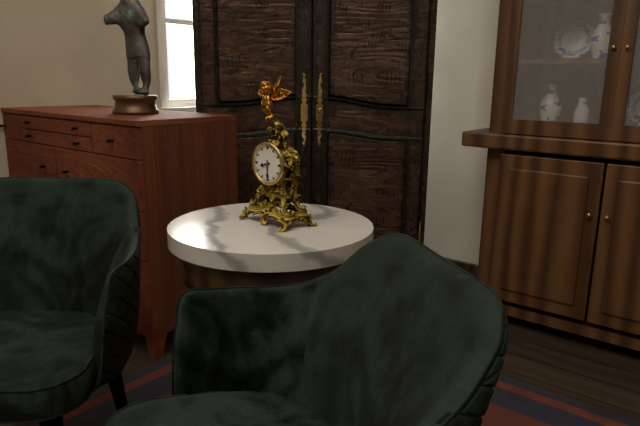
8:30
